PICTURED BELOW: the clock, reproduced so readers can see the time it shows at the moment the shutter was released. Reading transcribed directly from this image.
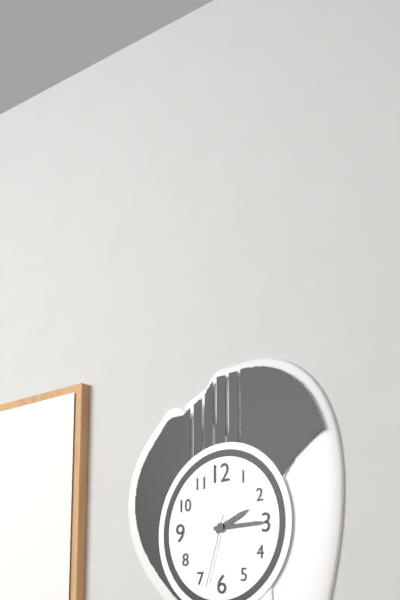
2:15:33
